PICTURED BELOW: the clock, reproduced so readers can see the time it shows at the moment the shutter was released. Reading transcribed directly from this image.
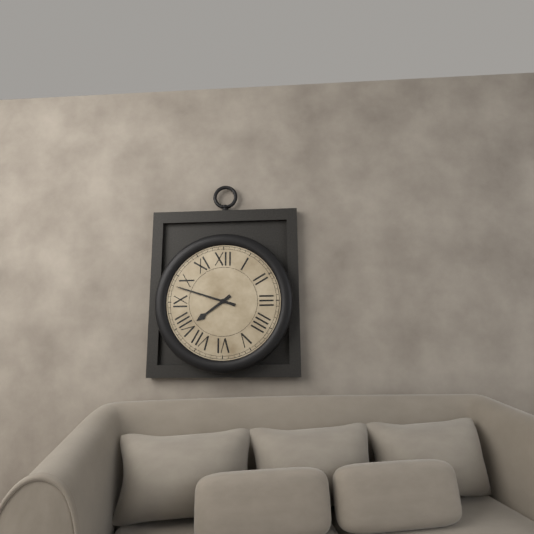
7:48
